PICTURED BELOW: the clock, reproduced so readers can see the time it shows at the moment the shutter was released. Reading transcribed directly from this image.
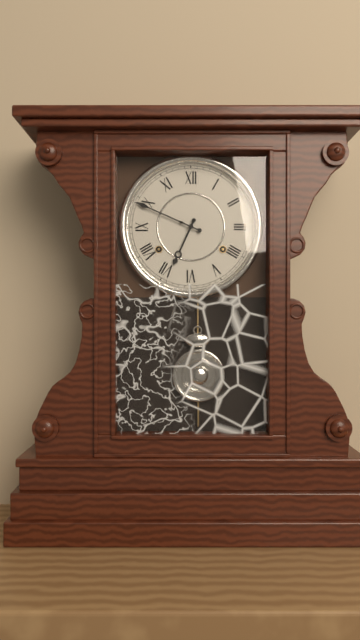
6:49
